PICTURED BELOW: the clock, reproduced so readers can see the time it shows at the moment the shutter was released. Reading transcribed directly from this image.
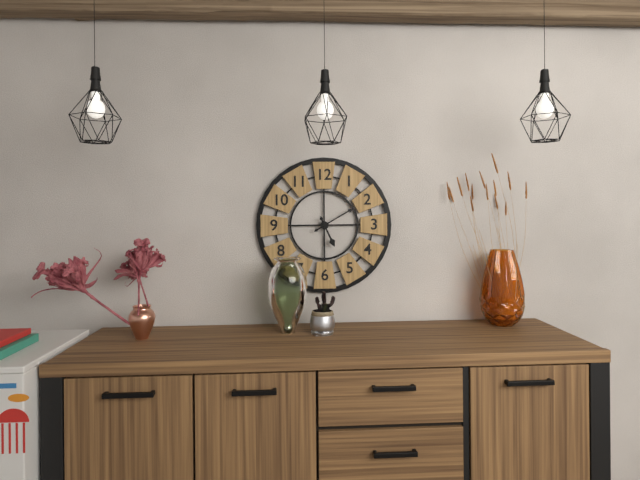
5:10
